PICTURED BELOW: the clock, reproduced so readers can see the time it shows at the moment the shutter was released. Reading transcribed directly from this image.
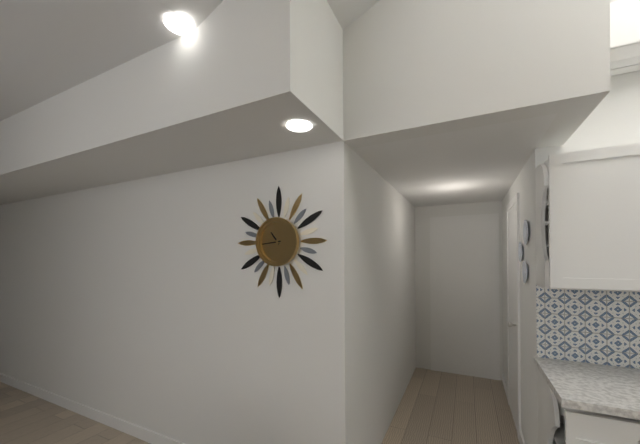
10:44
